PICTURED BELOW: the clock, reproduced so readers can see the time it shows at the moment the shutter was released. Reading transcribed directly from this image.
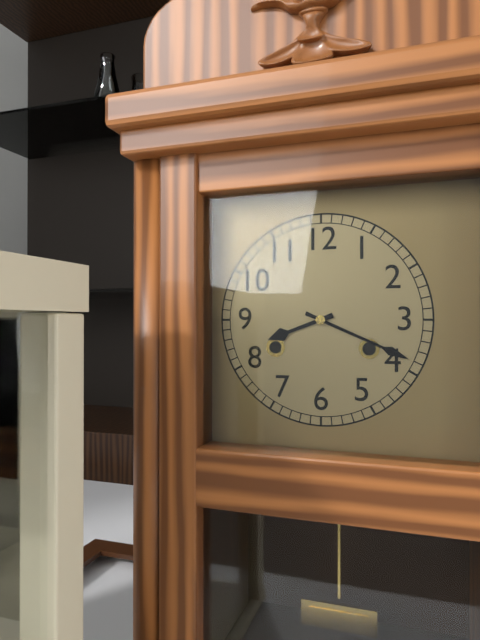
8:19
